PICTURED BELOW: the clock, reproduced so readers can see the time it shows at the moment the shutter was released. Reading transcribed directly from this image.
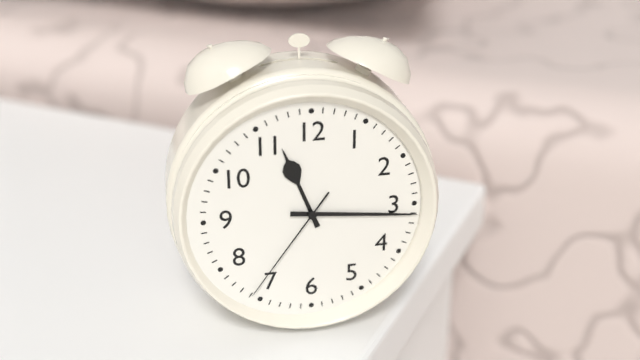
11:16:36
